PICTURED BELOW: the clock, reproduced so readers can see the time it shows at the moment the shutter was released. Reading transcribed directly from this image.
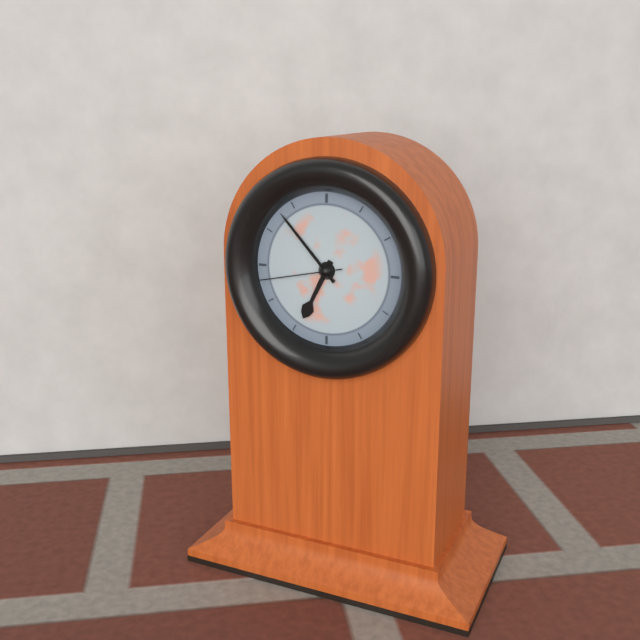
6:53:43
